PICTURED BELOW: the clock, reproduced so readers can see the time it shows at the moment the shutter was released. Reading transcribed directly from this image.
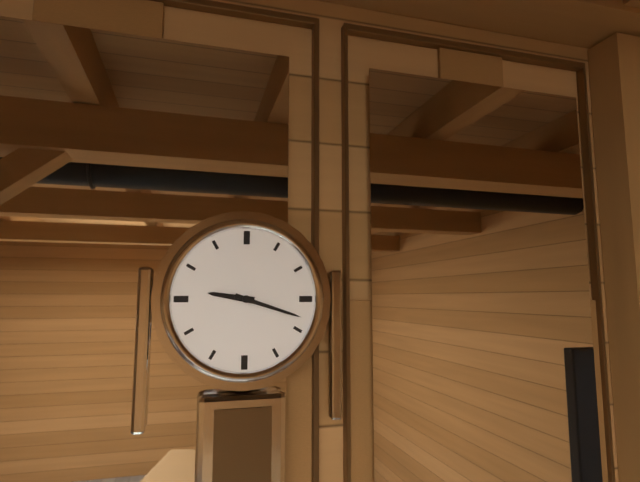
9:18
